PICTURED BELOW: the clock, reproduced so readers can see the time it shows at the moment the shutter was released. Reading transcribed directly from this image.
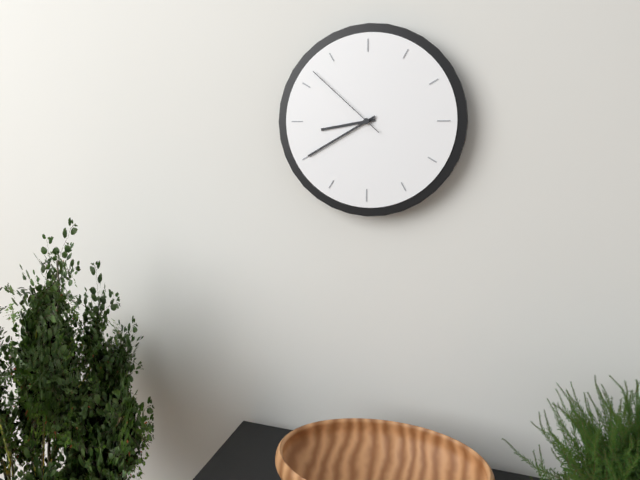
8:40:52
